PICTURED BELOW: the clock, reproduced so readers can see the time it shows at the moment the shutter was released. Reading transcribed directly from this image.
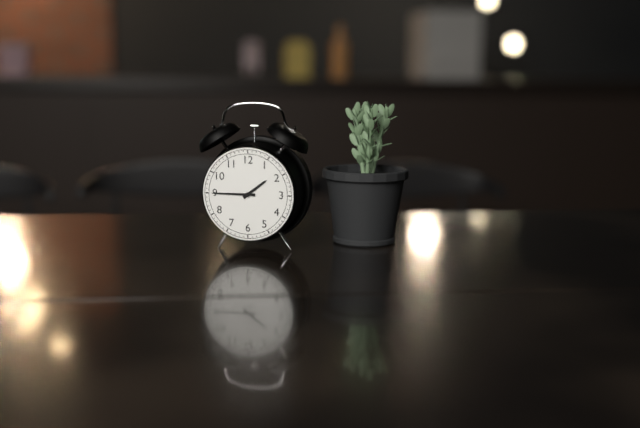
1:45
